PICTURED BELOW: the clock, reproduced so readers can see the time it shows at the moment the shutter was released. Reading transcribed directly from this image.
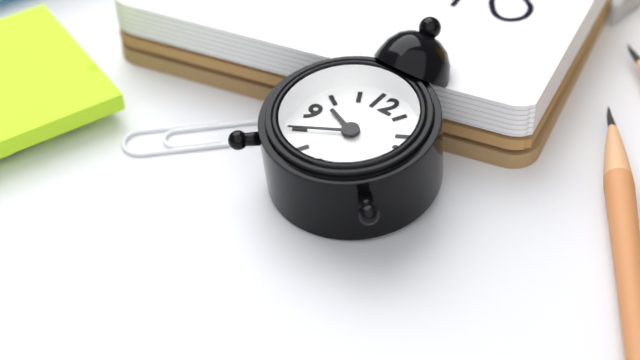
9:40
